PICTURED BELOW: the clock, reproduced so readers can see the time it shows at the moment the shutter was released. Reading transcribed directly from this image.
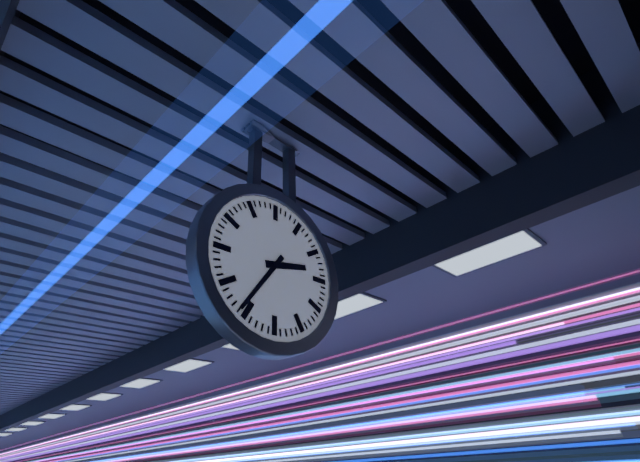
2:36
